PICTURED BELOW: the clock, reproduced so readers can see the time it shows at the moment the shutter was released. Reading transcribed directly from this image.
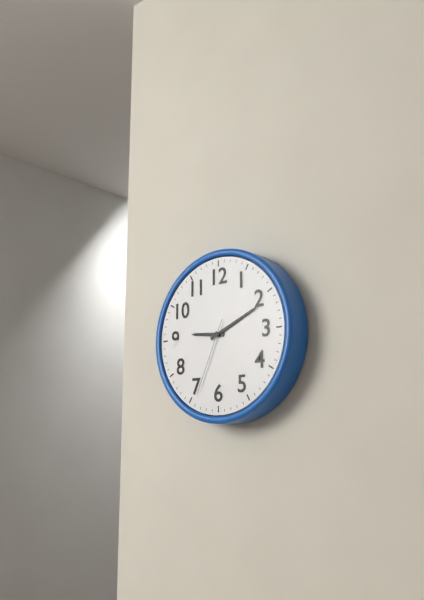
9:11:34
